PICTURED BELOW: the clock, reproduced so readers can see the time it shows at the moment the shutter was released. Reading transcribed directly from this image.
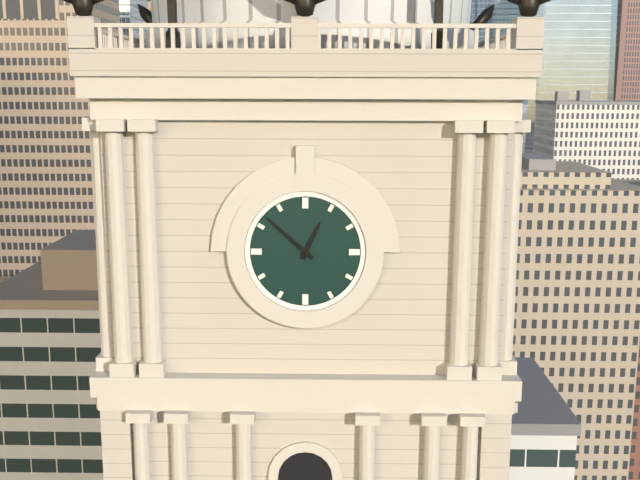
12:52
